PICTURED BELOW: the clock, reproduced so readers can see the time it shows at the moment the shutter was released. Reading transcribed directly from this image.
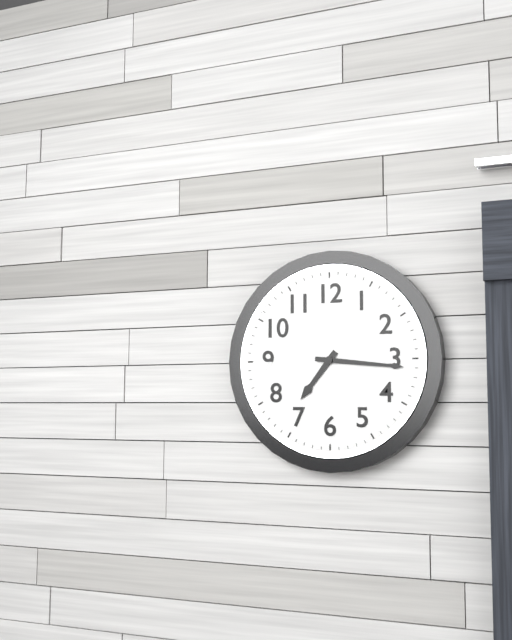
7:16
